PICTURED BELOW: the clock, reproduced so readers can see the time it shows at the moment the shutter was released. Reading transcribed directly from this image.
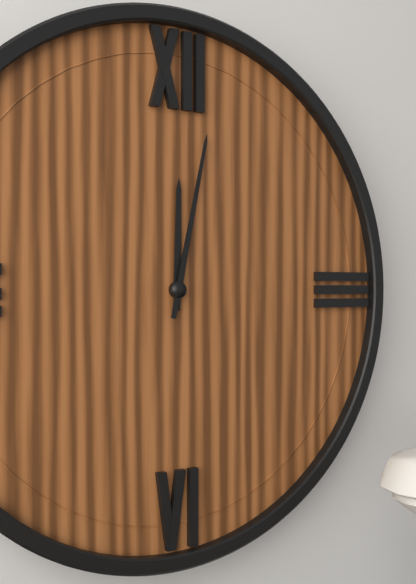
12:02
